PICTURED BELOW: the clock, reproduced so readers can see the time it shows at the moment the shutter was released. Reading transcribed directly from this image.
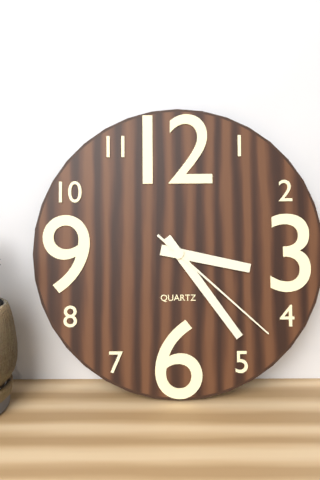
3:24:22
